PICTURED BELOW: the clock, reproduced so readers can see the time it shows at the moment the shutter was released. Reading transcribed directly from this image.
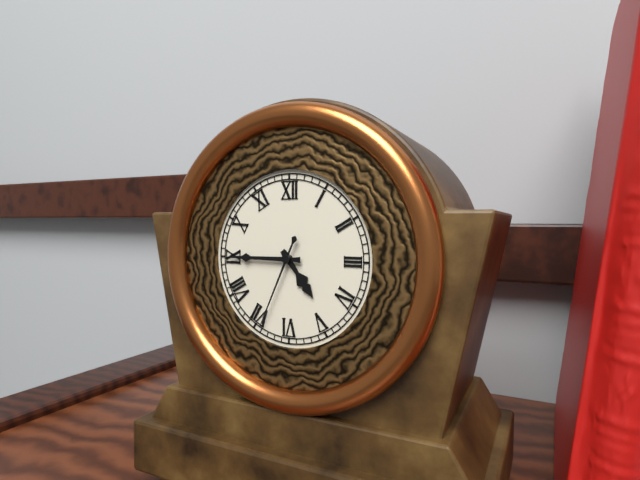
4:45:34
